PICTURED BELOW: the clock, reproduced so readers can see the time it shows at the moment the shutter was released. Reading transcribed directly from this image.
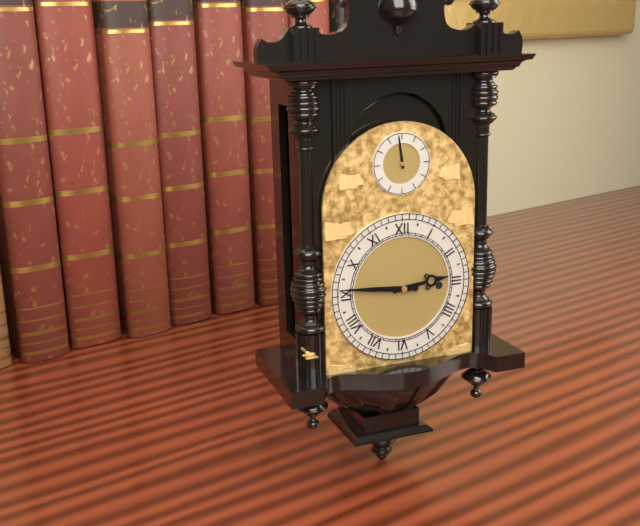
2:46
